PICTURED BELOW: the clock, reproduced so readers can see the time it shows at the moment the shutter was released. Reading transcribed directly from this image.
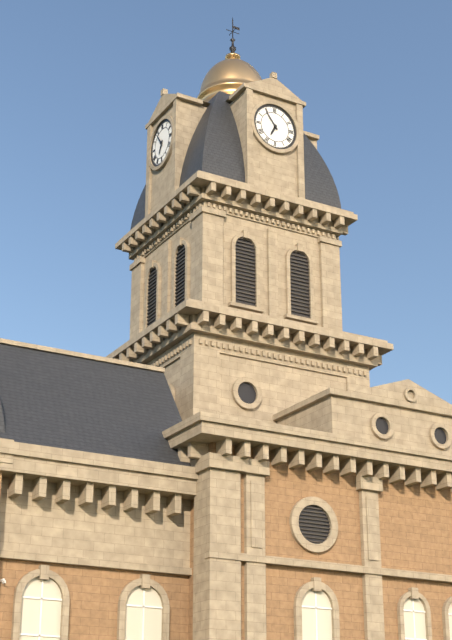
6:54
